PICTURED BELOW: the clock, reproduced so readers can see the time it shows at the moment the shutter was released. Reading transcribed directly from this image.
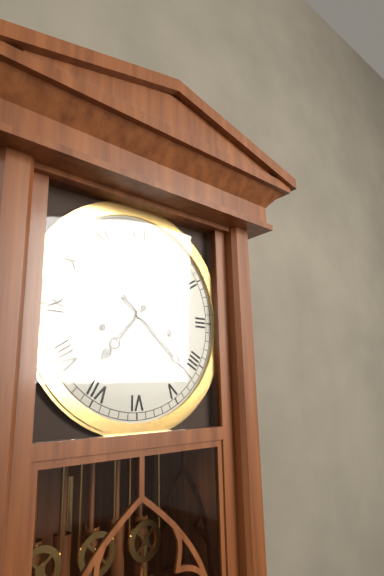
7:22
